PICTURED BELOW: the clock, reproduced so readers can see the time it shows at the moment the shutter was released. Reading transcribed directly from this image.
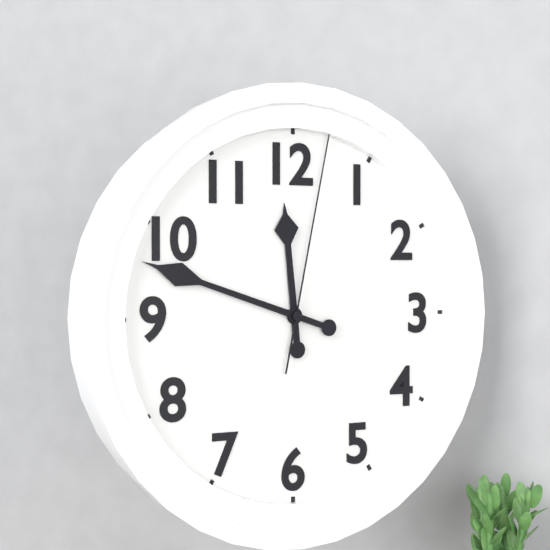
11:48:02
